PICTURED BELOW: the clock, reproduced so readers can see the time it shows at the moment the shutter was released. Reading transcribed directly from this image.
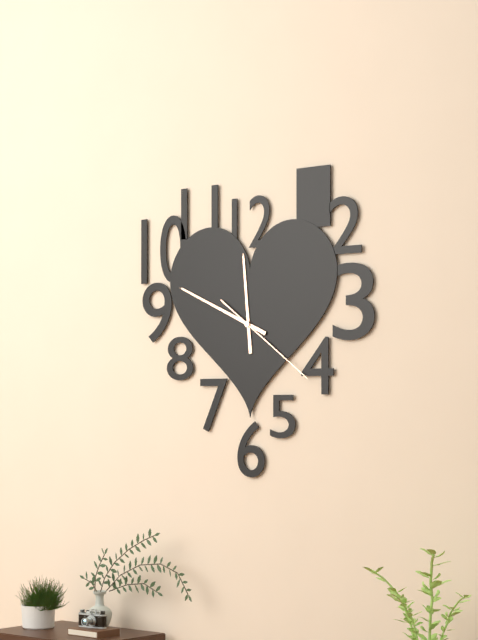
11:49:21
